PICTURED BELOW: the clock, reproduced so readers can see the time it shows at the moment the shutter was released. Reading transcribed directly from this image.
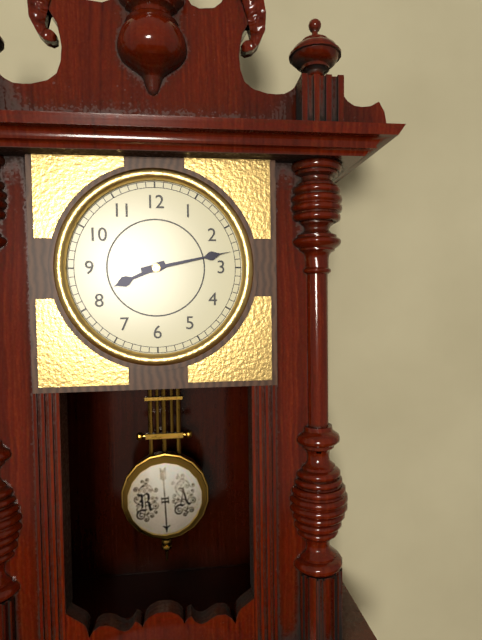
8:13
